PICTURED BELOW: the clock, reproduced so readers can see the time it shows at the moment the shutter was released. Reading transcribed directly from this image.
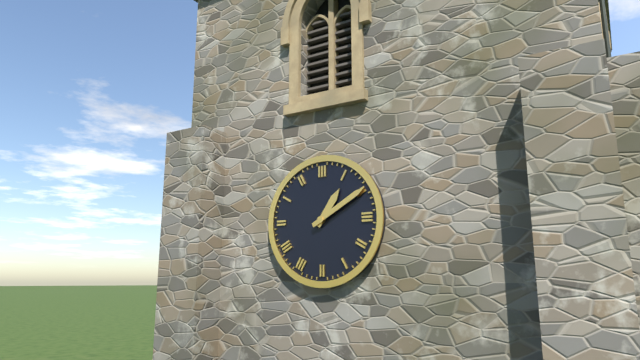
1:10
